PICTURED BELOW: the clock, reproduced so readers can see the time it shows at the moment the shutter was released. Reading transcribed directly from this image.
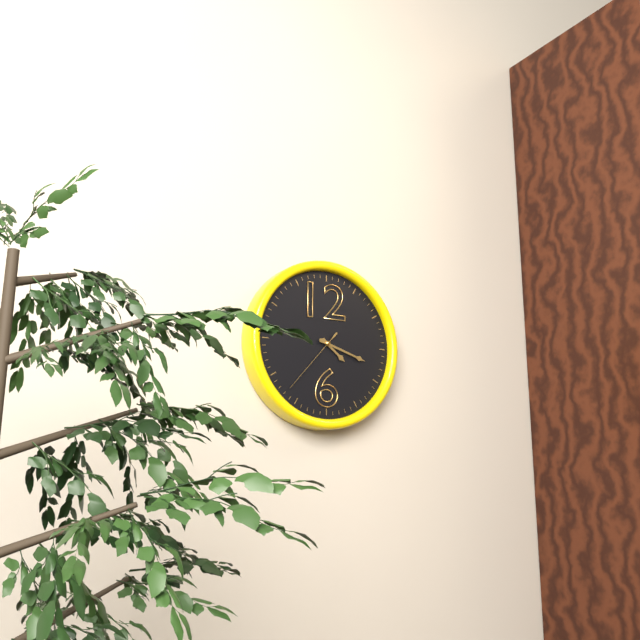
4:18:37
